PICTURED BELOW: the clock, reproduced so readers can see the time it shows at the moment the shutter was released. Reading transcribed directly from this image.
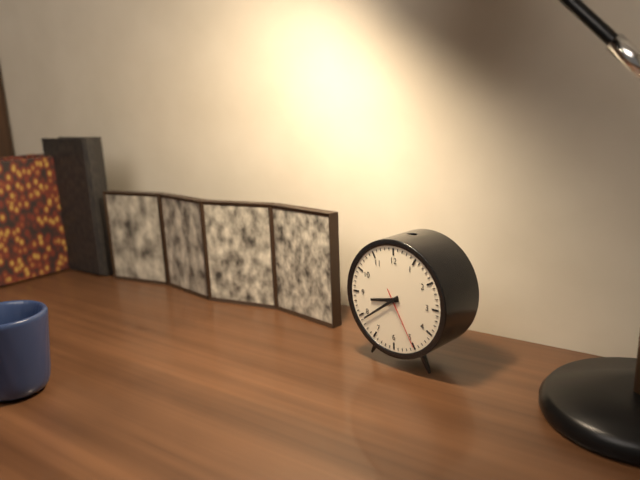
8:39:25
